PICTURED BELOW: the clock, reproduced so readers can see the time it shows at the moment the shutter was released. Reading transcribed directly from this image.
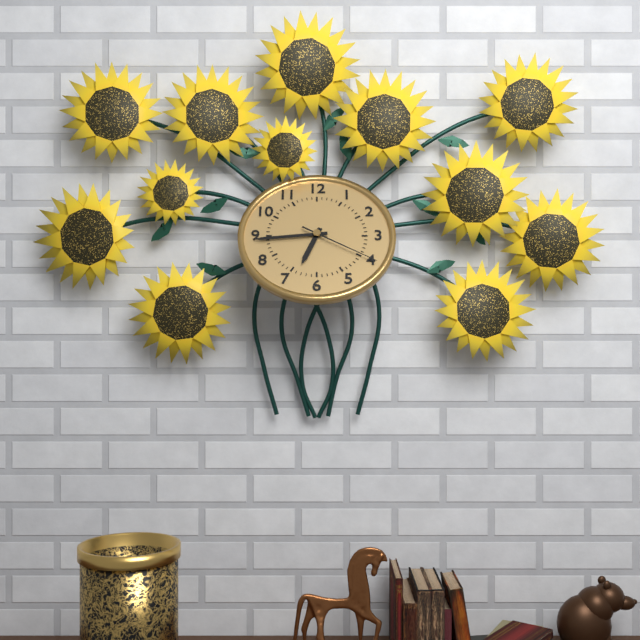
6:44:20
